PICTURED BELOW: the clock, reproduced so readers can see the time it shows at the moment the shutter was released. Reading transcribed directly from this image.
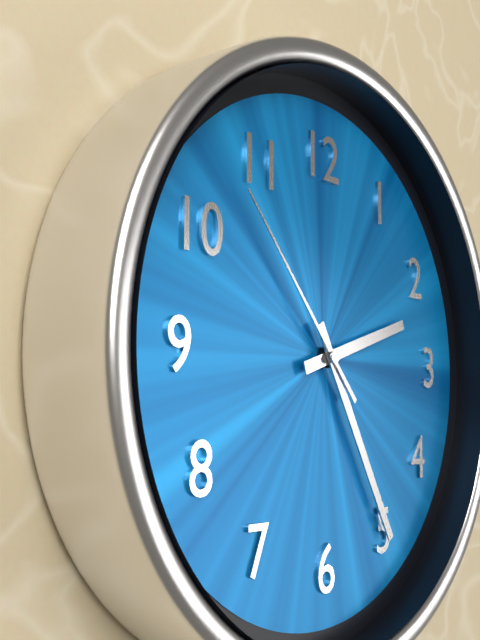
2:25:53
